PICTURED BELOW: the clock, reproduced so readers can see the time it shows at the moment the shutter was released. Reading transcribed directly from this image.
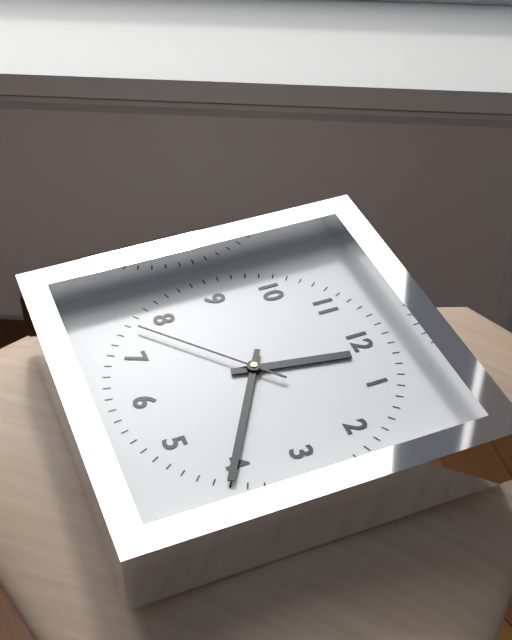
12:20:38
